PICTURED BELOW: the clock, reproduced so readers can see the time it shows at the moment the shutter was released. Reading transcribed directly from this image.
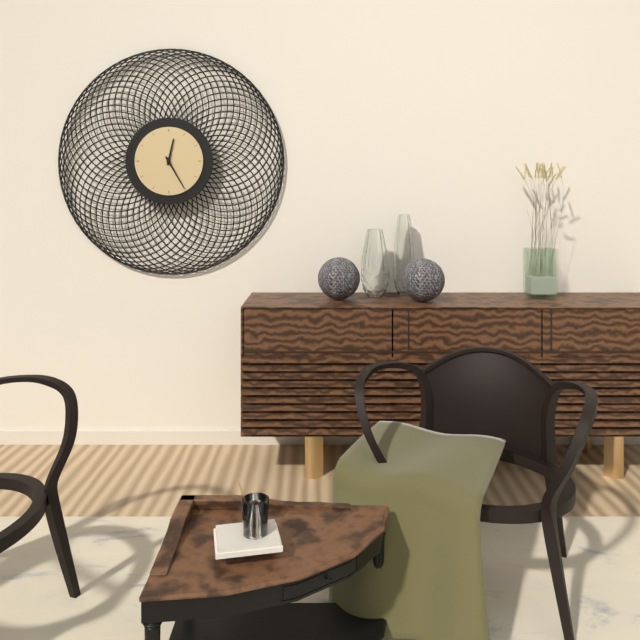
12:25
